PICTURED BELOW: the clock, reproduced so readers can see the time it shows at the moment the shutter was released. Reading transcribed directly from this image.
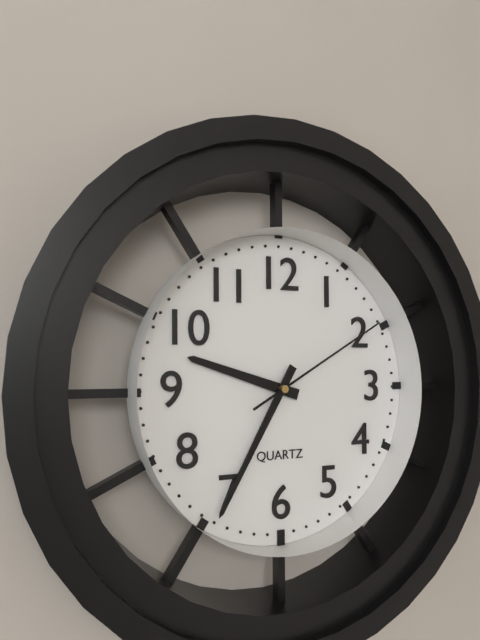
9:35:10
